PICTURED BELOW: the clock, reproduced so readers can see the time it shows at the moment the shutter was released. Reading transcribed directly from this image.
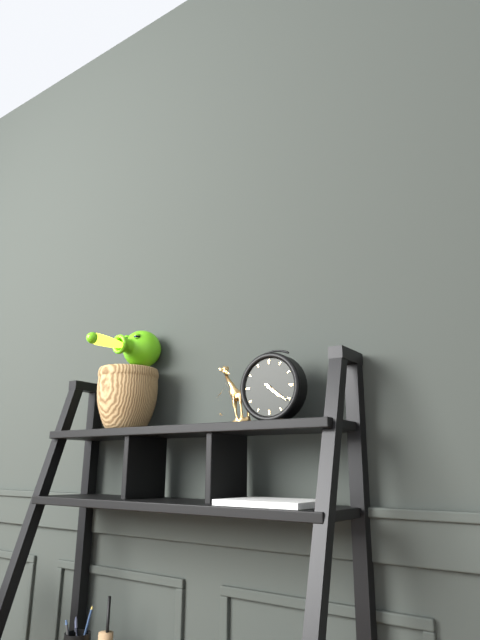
4:21
